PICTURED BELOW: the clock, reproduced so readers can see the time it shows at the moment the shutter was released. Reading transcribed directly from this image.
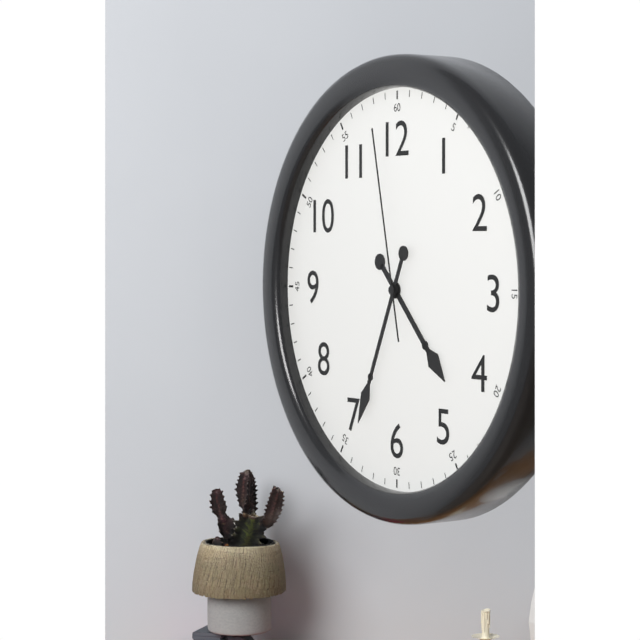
4:34:58
